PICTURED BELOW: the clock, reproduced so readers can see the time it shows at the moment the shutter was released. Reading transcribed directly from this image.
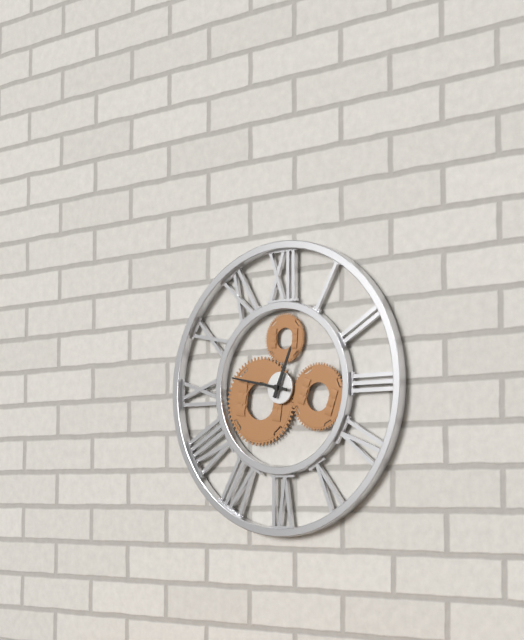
12:47
